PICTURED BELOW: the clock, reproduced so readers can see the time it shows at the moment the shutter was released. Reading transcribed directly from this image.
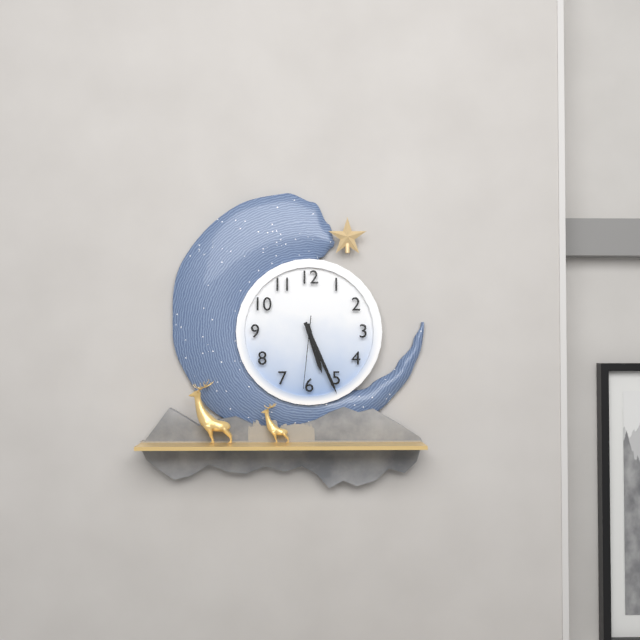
5:26:31
